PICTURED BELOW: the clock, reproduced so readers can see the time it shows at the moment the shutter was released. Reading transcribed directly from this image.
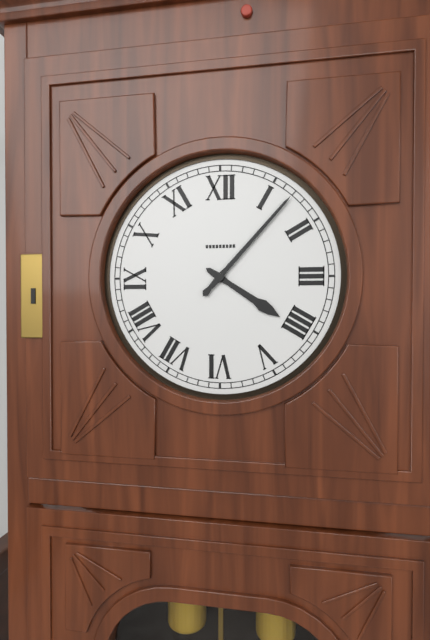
4:07
